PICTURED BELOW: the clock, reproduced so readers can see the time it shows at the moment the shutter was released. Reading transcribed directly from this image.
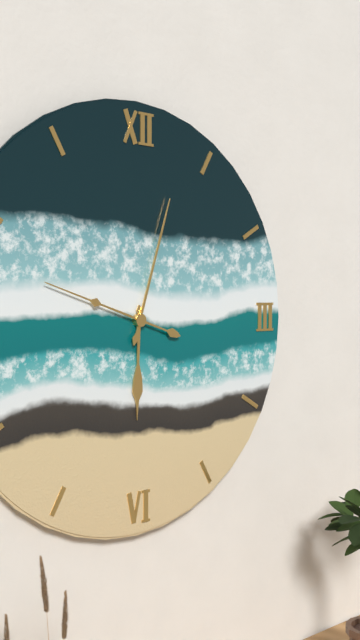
6:03:48
